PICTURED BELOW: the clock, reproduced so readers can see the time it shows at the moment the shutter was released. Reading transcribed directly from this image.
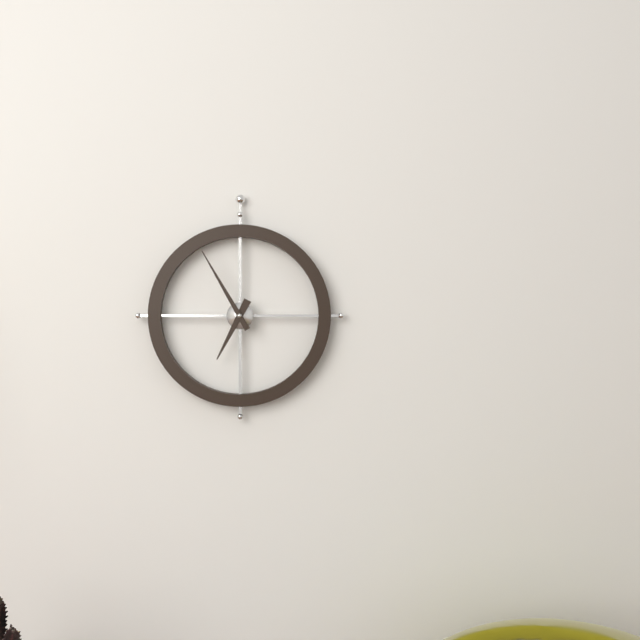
6:55
